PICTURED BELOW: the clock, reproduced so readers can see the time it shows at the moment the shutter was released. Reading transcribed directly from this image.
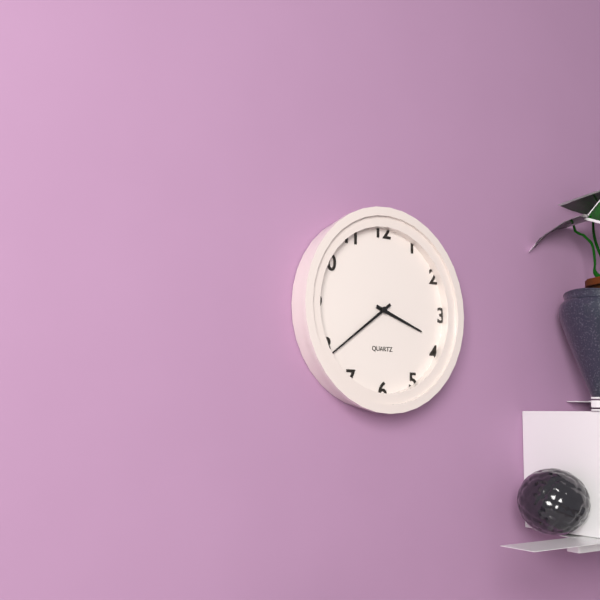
3:39
